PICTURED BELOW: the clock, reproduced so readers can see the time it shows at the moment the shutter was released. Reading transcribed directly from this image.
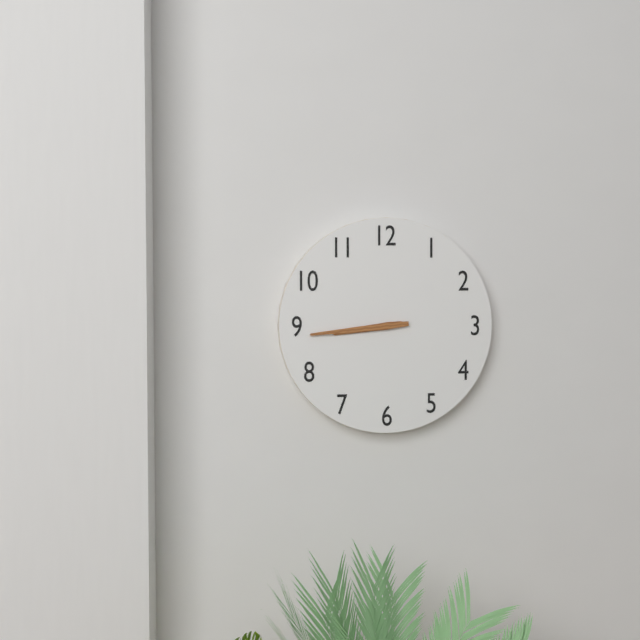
8:44
